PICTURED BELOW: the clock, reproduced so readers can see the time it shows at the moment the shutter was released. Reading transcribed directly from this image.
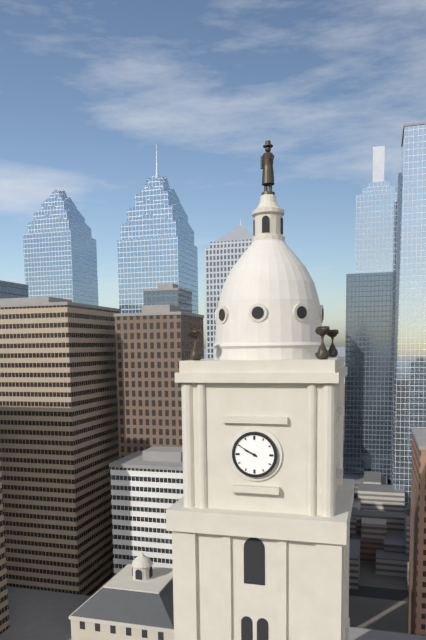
9:50
